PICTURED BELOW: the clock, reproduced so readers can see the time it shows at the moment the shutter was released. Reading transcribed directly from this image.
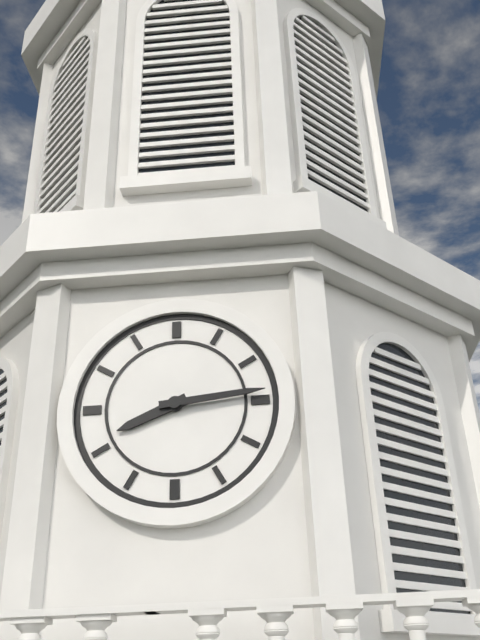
8:14
